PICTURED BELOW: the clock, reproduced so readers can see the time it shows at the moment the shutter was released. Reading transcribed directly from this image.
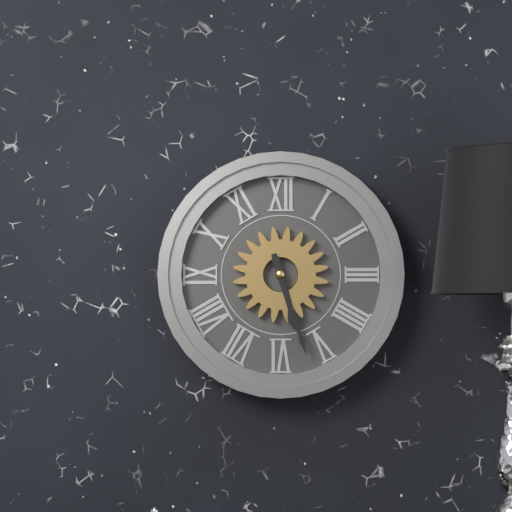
5:27
